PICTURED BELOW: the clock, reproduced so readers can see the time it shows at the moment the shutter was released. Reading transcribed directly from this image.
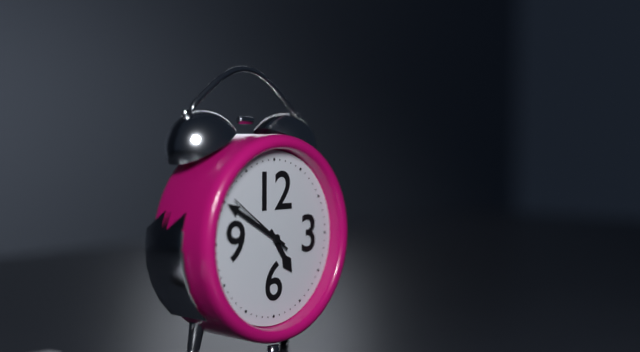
4:50:51
